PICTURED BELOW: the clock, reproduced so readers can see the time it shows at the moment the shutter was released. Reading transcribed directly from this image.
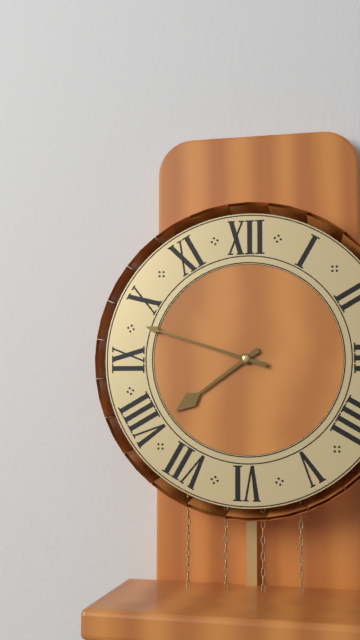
7:48
